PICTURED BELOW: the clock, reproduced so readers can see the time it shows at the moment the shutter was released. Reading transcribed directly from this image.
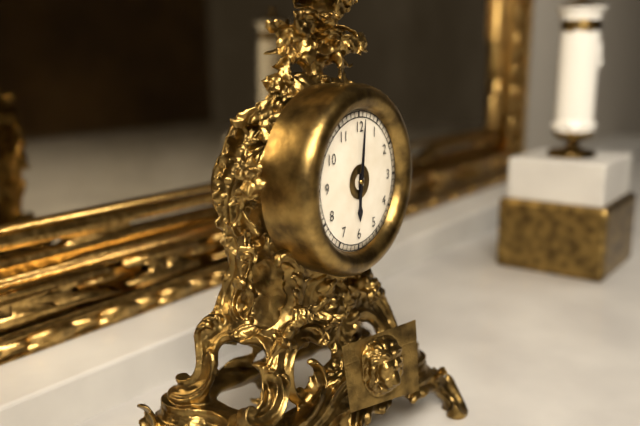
6:01
